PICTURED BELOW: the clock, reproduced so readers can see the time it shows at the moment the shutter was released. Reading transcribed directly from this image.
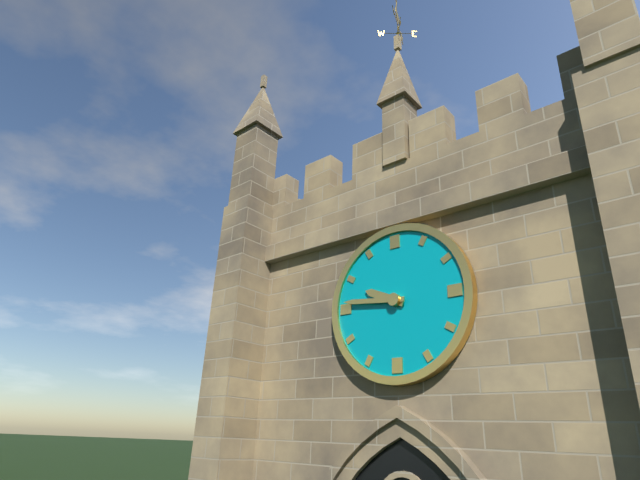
9:46
